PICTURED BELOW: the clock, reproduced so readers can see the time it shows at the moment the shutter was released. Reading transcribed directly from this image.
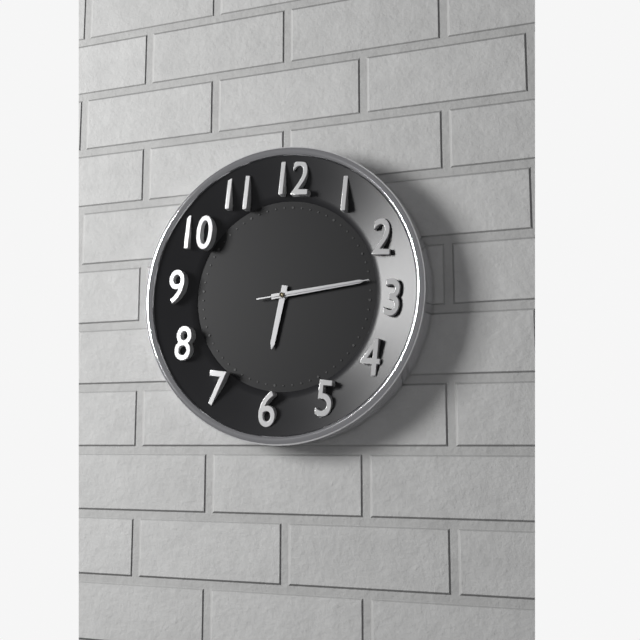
6:13:13
